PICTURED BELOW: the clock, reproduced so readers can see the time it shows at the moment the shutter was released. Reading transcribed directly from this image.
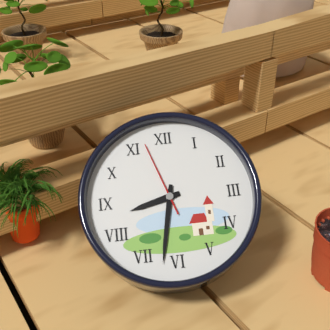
8:32:57
